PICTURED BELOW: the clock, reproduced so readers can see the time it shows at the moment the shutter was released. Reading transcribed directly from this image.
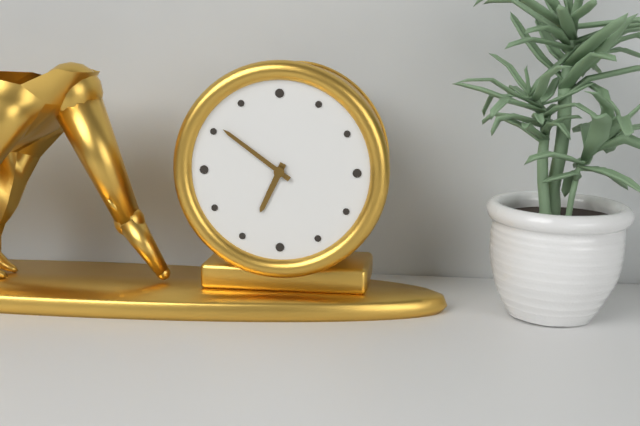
6:51
